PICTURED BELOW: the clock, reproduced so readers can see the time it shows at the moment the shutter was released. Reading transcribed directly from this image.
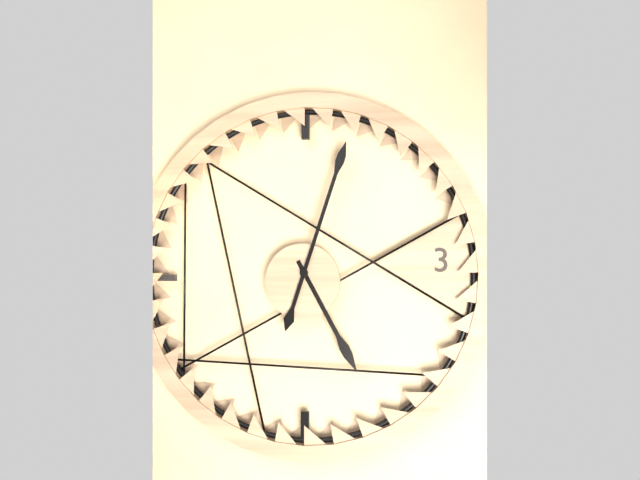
5:03
